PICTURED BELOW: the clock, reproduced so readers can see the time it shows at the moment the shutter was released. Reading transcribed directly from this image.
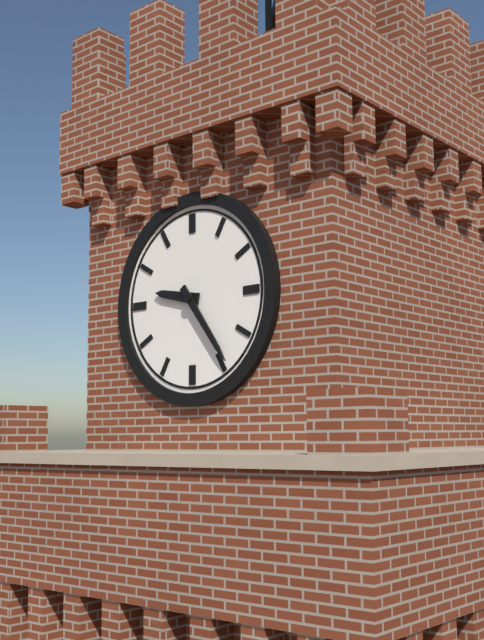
9:24
